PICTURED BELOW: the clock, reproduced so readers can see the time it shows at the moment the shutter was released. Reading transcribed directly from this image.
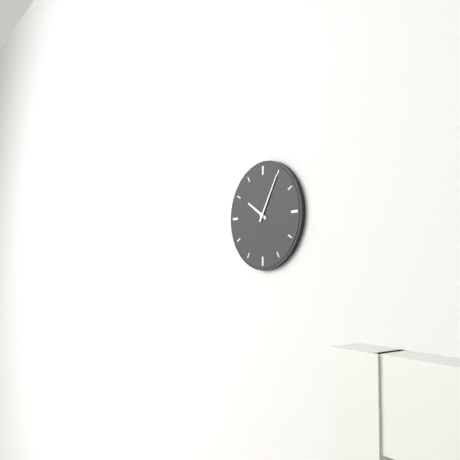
10:05
